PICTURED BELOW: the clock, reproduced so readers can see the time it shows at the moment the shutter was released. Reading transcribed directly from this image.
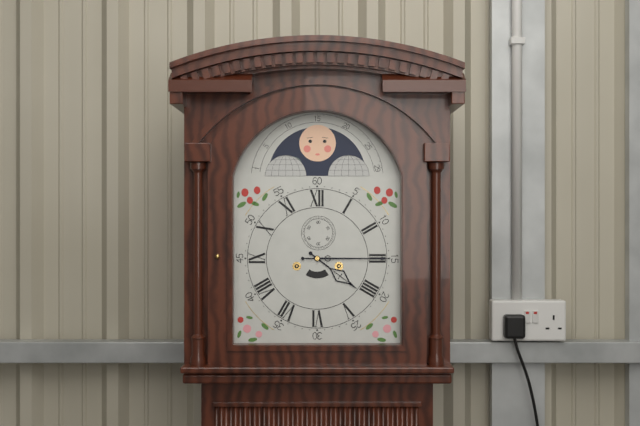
4:15
